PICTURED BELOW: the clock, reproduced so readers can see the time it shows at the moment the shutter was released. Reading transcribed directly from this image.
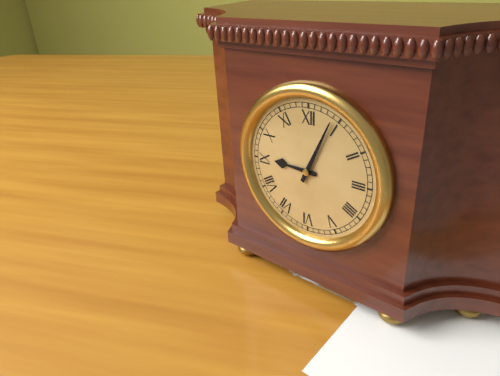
9:04
